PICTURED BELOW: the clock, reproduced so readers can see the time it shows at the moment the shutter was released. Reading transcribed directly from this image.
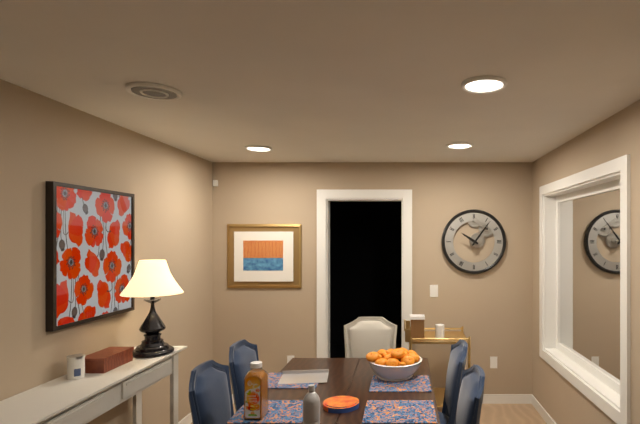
10:06
